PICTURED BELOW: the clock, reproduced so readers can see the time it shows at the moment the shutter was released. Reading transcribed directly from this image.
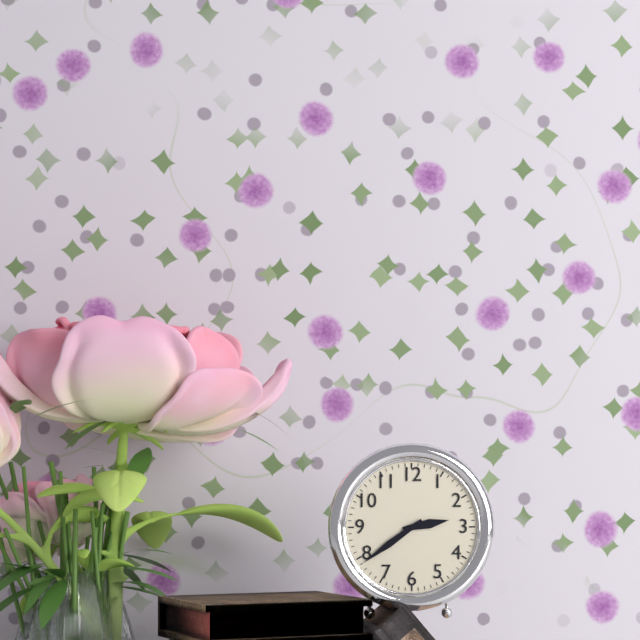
2:39
